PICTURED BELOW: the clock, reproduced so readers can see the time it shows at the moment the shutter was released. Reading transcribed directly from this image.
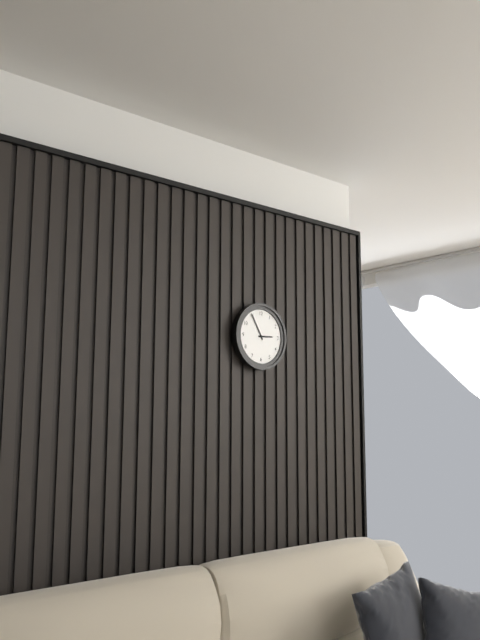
2:55
